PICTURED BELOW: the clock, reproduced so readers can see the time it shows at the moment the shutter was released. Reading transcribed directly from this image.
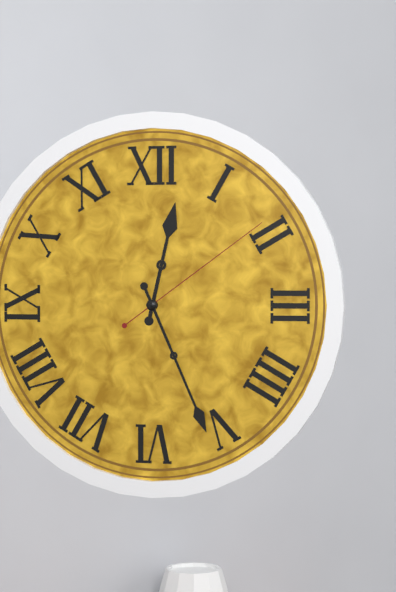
12:26:09
